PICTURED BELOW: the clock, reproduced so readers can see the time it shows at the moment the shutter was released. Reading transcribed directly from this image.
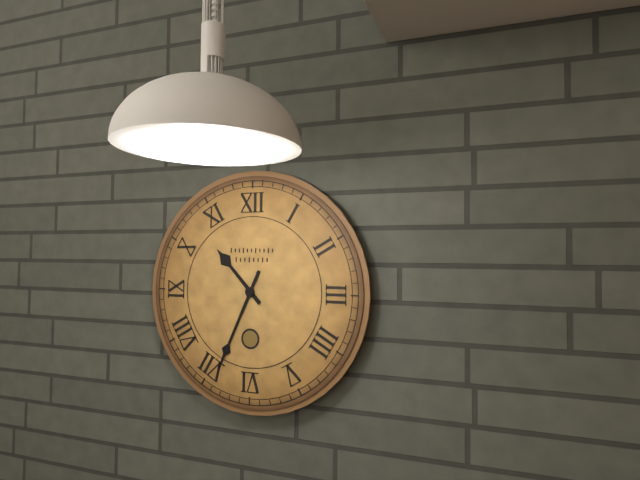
10:34
